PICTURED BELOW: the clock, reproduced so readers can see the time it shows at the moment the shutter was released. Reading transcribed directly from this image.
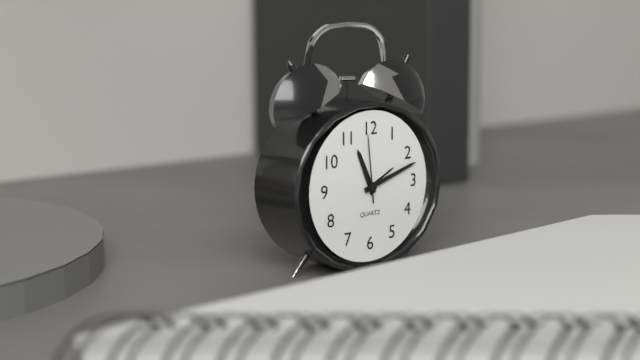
11:12:59
